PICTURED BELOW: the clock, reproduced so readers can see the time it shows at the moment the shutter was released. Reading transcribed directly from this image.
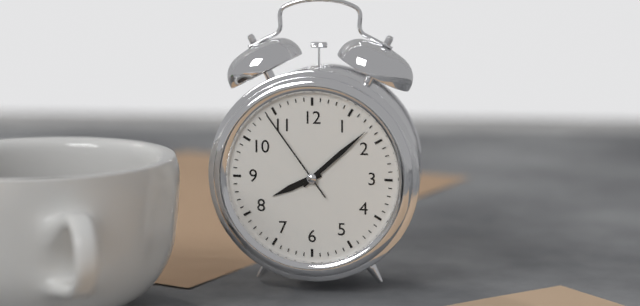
8:08:54
